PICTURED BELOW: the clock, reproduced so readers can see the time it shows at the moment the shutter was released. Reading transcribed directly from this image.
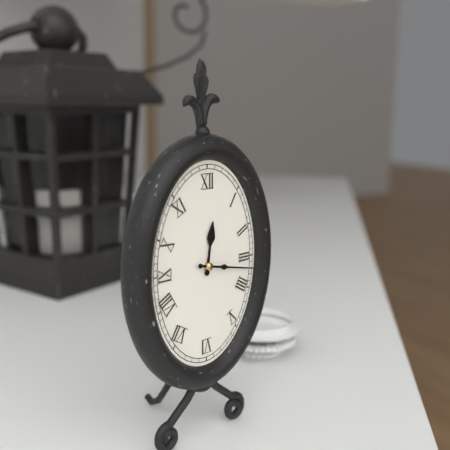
12:17
